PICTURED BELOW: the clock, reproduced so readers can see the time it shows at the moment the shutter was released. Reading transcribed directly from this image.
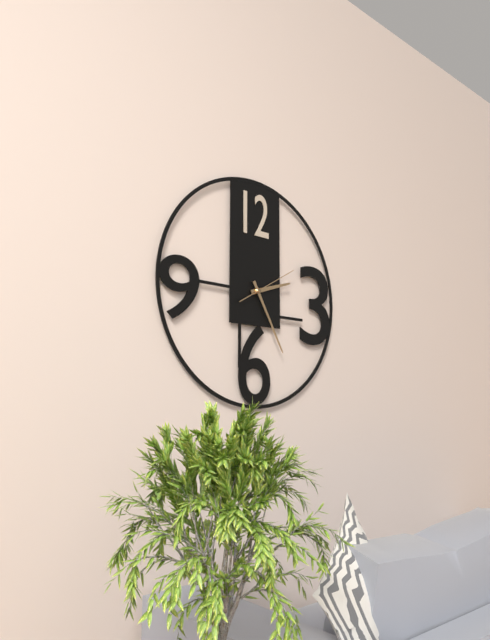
2:25:10
